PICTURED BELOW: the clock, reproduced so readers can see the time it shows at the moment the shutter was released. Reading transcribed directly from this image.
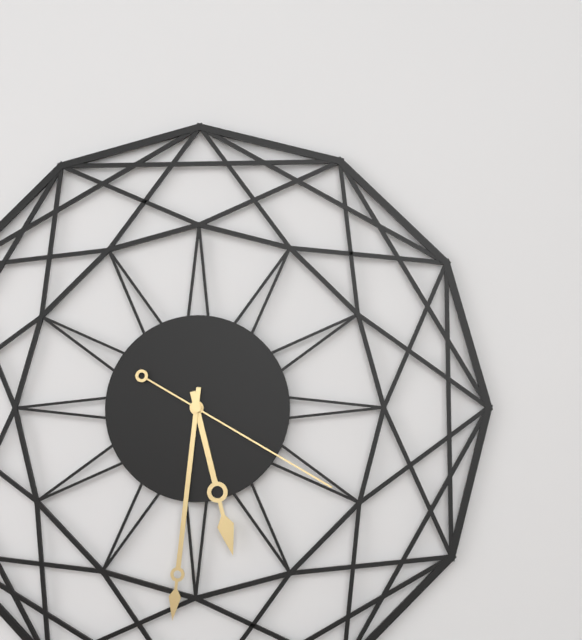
5:31:20
